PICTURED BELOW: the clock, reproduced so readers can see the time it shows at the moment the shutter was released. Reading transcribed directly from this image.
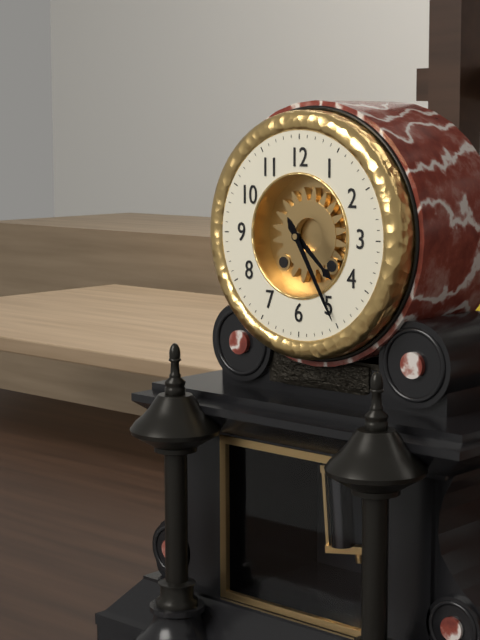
4:25
